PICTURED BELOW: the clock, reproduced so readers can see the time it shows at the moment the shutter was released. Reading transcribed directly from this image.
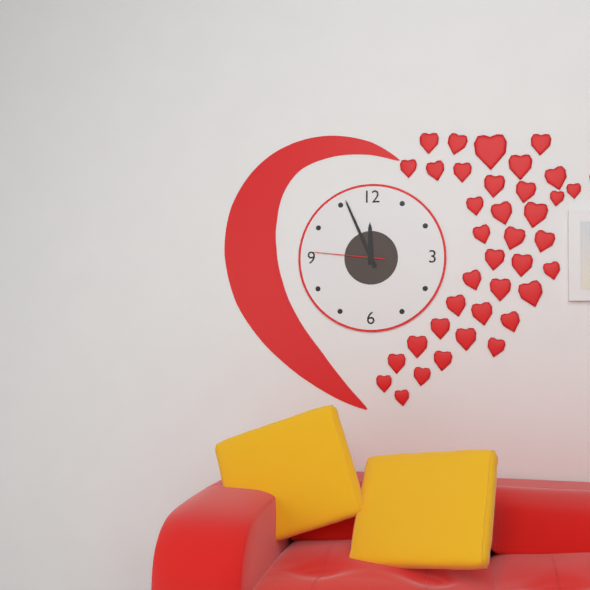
11:56:46
